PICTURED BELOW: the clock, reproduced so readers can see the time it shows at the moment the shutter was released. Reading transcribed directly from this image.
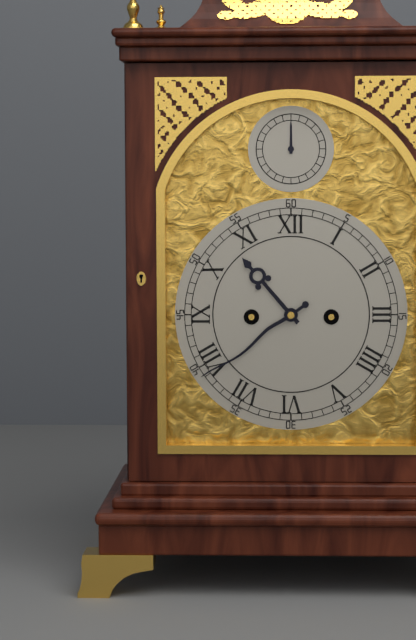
10:39
